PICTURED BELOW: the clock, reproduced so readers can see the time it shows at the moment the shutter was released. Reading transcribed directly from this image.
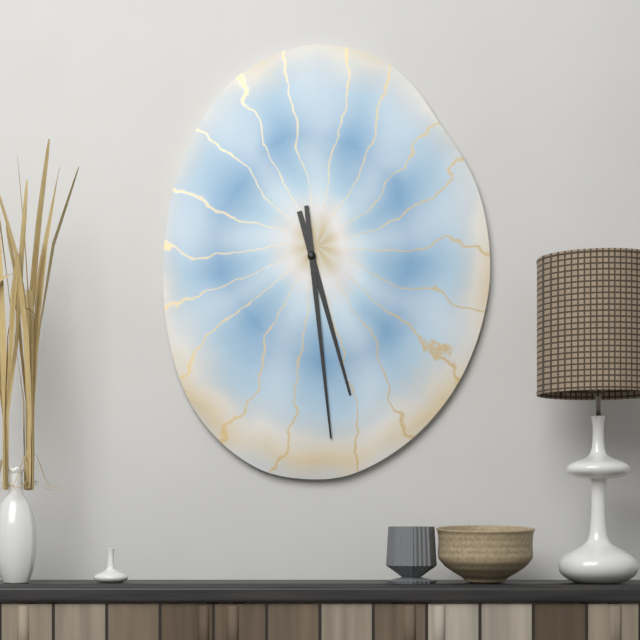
5:29
